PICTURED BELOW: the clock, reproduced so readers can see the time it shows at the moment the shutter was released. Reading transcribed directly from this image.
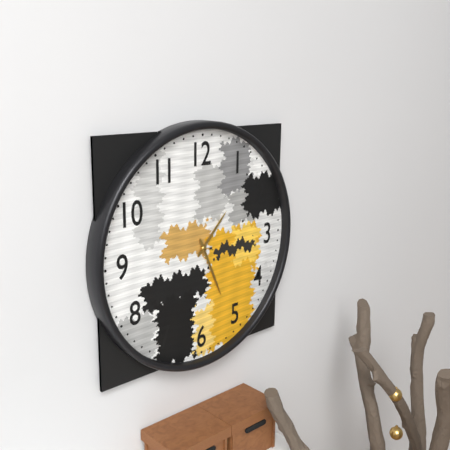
1:26
